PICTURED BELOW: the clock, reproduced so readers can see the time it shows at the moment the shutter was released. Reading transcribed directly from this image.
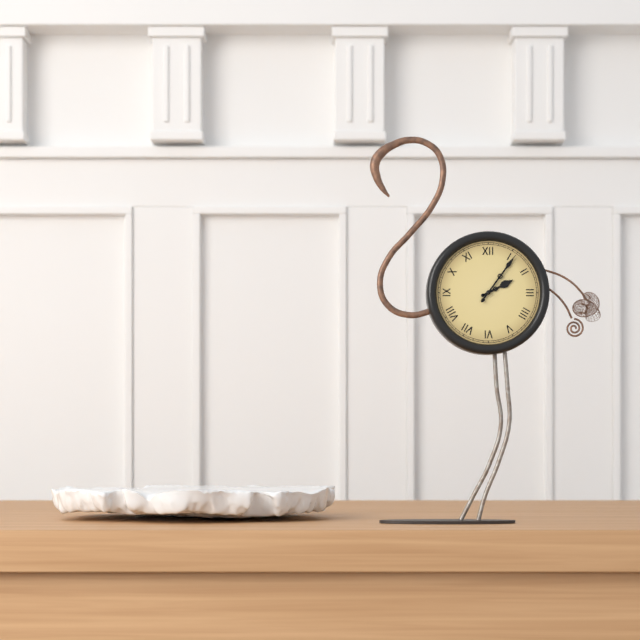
2:06:06
